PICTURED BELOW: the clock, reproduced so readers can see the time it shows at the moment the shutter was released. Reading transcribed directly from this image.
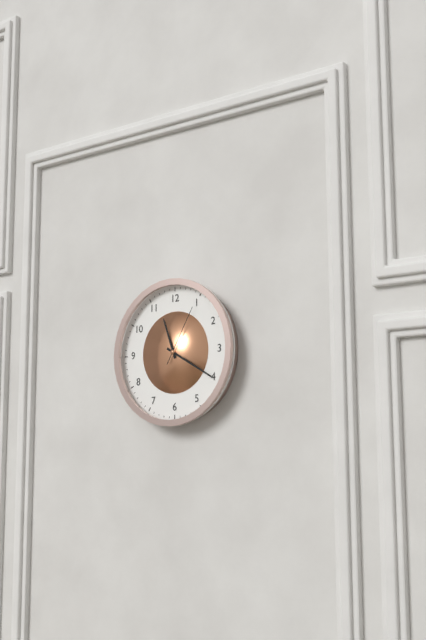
11:20:05
